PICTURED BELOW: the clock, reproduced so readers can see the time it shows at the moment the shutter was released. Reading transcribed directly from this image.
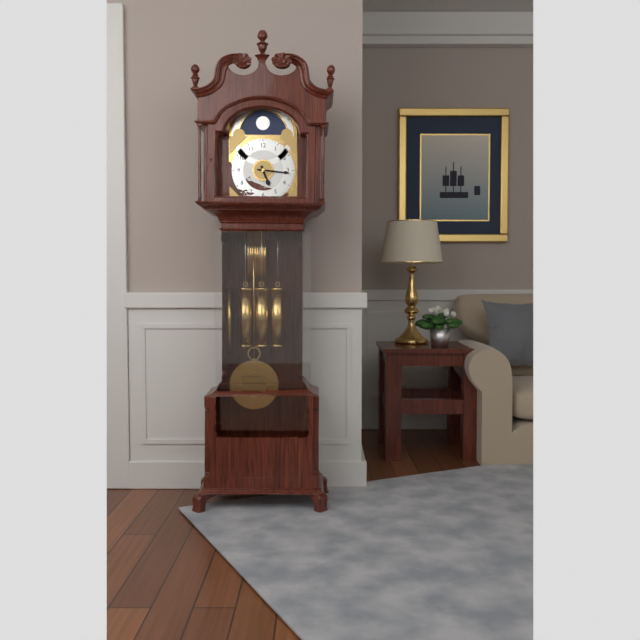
5:16
